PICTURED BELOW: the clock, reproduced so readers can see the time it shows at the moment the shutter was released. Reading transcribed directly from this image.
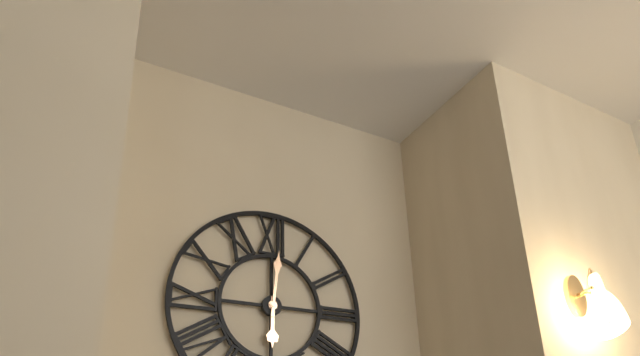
6:01
